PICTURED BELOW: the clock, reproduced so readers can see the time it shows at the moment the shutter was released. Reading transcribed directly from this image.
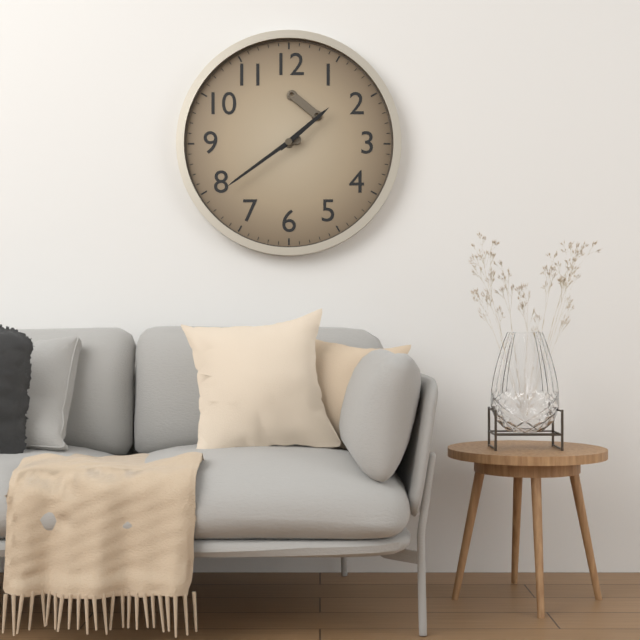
1:39
